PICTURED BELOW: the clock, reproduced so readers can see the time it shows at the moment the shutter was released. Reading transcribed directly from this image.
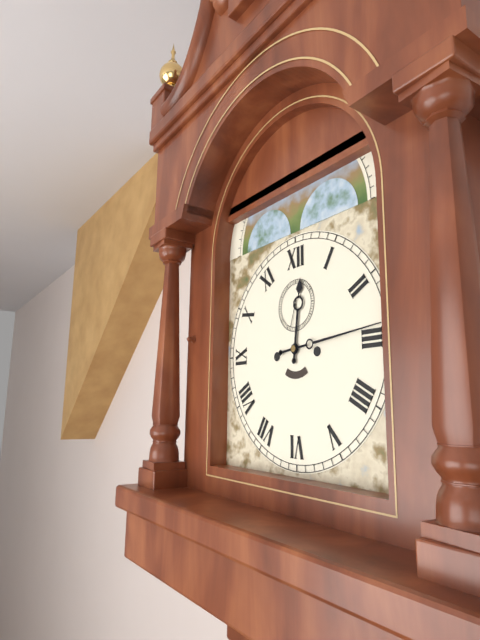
12:14
